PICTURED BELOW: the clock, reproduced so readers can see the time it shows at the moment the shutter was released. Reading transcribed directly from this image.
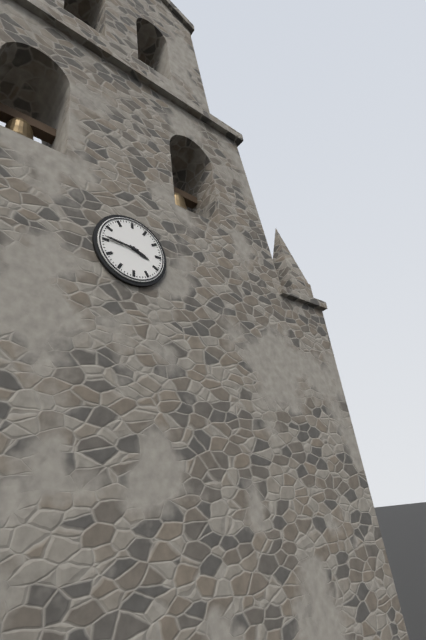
3:46
